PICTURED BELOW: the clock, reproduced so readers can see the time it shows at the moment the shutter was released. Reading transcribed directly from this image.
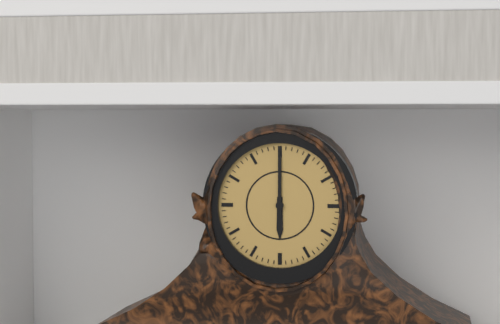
6:00
